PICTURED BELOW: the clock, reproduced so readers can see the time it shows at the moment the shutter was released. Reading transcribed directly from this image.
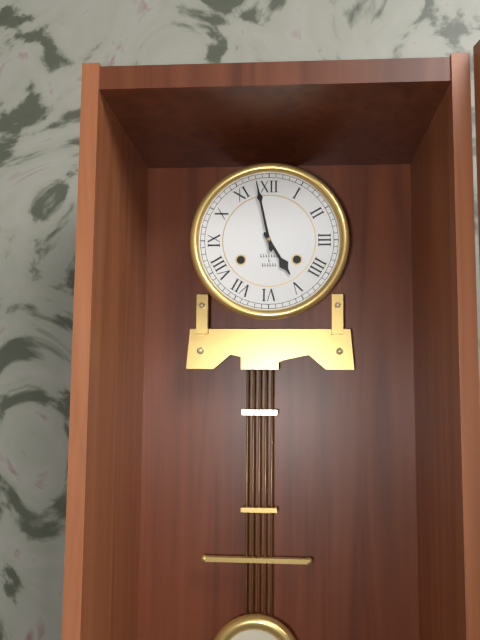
4:58
